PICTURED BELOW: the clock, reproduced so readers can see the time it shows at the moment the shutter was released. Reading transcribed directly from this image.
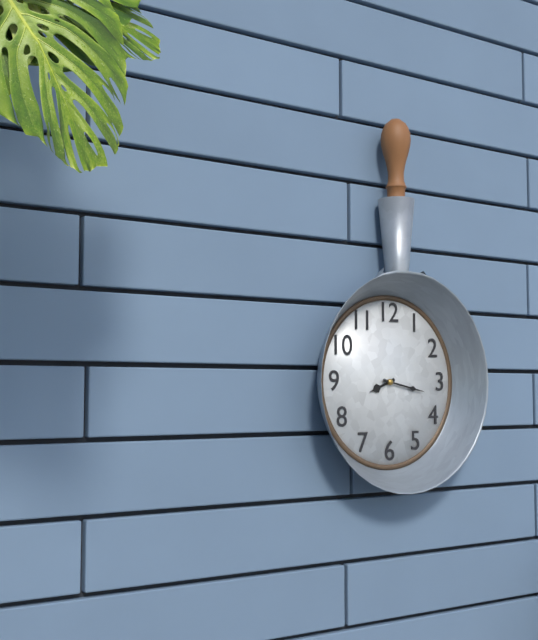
8:17
